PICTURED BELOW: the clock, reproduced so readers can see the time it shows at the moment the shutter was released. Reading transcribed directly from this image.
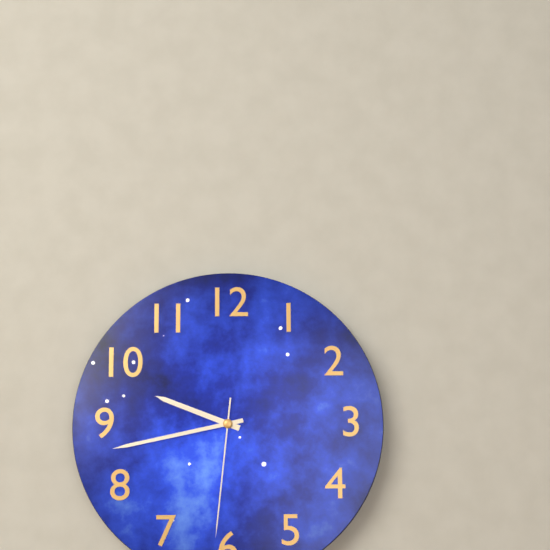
9:43:31
